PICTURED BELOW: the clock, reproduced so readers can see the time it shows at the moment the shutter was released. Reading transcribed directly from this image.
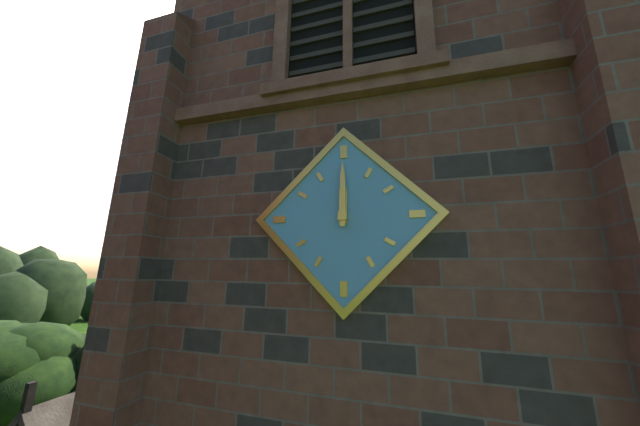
12:00
